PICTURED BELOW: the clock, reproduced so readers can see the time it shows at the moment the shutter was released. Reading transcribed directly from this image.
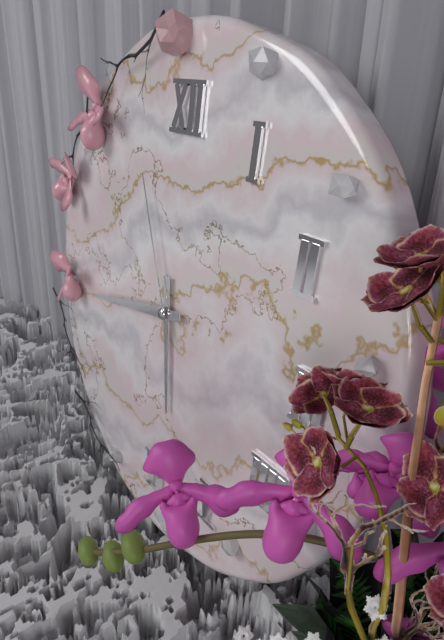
5:43:56
